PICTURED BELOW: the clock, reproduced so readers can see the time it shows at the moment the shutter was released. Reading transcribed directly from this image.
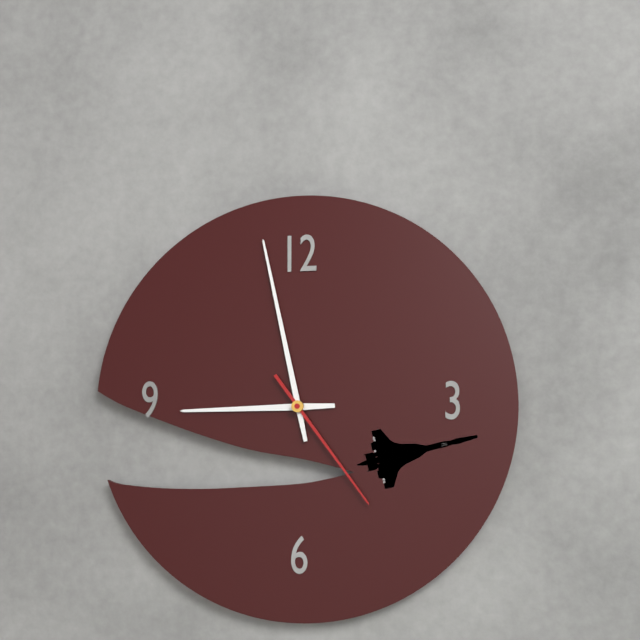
8:58:24
